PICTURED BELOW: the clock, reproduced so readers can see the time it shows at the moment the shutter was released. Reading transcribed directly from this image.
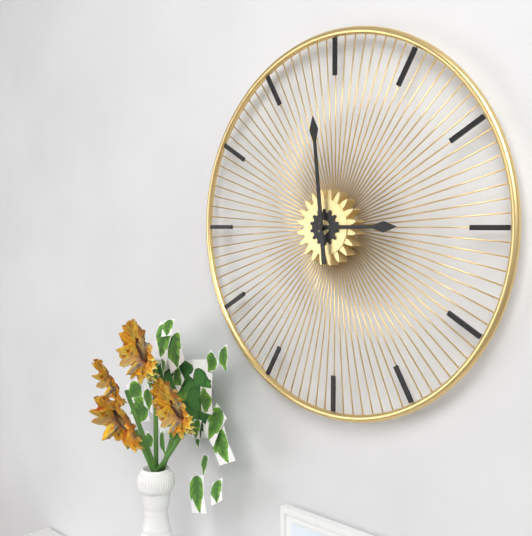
2:59
